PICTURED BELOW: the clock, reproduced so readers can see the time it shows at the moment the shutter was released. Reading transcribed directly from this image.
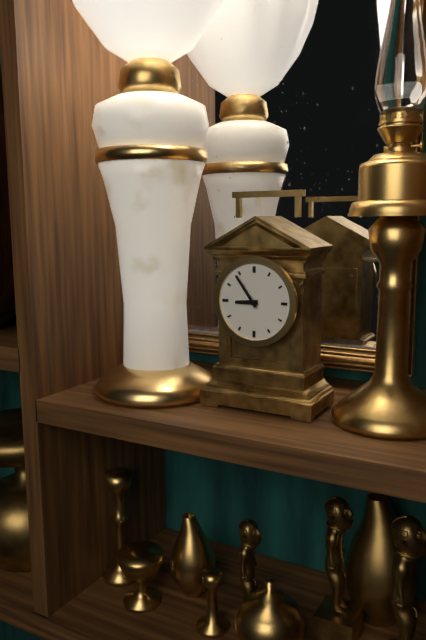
8:54
